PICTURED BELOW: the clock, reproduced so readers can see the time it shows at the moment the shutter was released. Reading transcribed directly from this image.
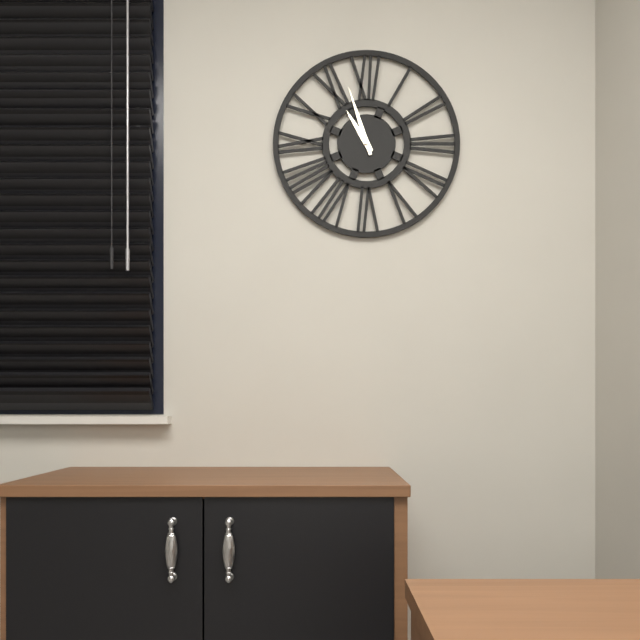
10:57
